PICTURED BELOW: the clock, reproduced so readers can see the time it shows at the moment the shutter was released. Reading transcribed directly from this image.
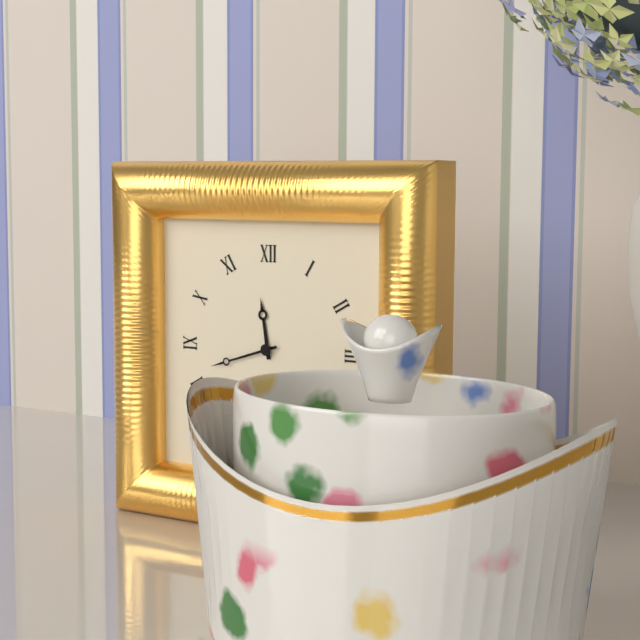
11:42
